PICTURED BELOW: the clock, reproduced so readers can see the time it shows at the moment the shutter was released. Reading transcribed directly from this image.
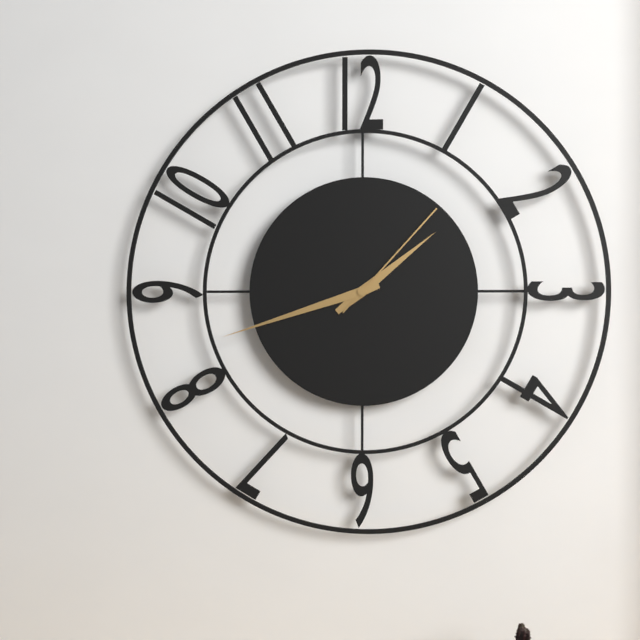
1:42:07
